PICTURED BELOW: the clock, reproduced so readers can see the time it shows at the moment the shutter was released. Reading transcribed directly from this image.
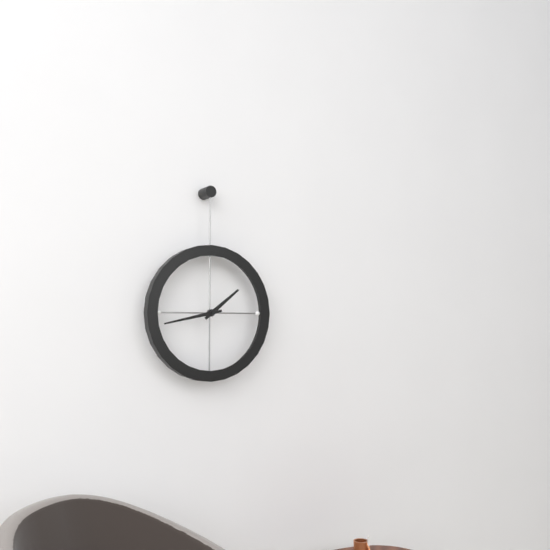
1:43
